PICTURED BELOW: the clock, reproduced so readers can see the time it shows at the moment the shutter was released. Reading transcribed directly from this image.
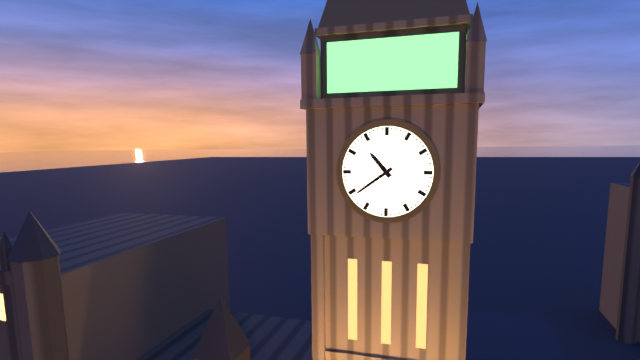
10:39
